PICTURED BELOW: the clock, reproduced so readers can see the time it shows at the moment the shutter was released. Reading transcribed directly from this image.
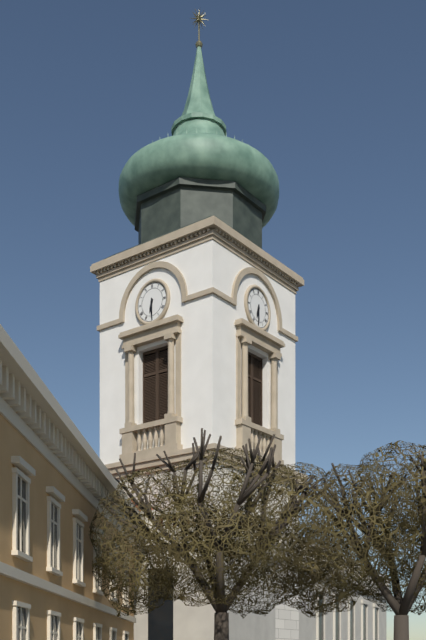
6:30
